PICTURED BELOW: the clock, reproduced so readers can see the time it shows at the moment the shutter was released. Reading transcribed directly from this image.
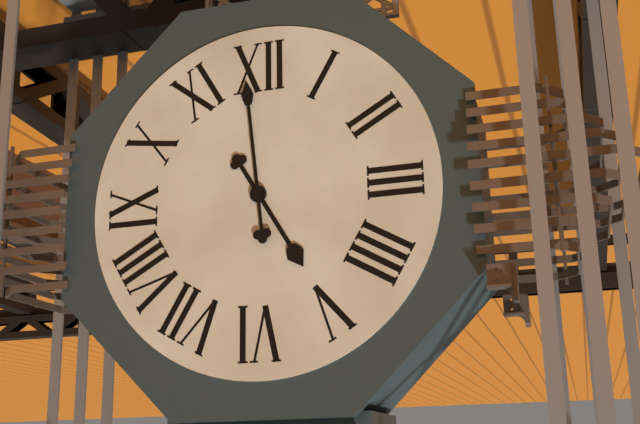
4:59
